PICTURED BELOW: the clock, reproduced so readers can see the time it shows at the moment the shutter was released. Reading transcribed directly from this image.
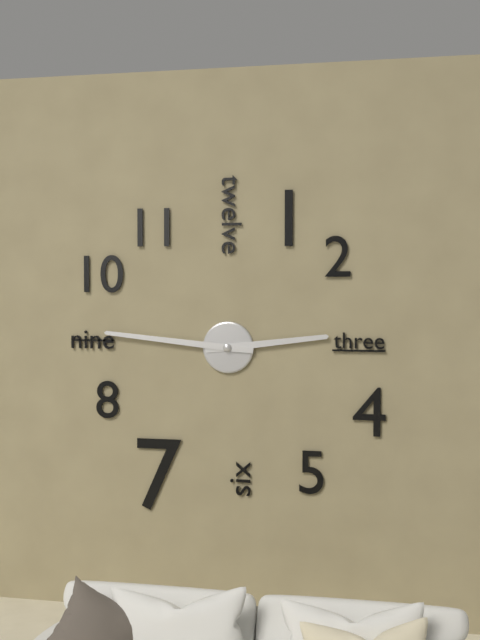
2:46
